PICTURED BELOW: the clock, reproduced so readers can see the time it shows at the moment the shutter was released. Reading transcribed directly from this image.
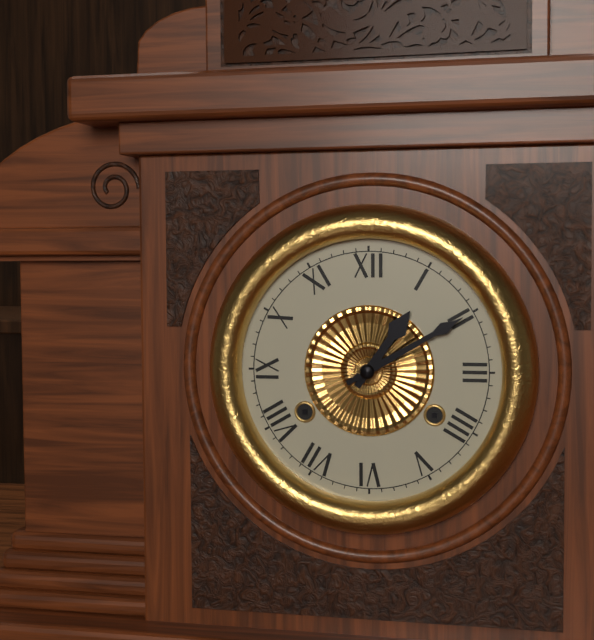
1:10
